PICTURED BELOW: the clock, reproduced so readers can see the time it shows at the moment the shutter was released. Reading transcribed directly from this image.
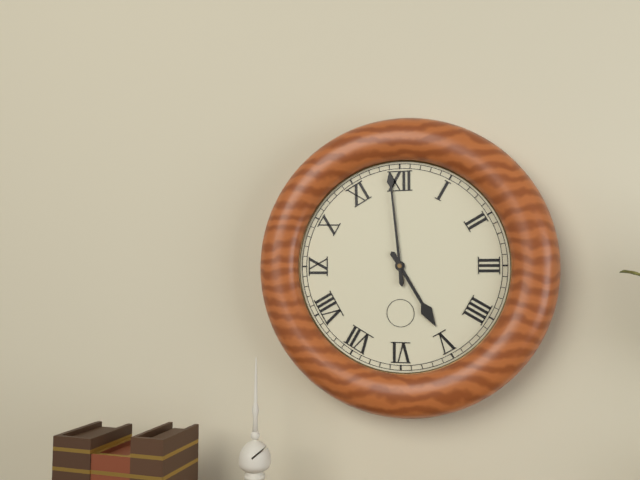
4:59
